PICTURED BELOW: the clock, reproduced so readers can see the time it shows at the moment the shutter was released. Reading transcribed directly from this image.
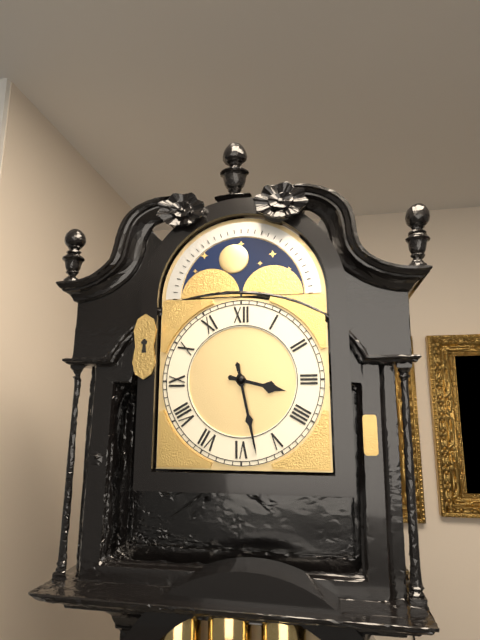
3:28
